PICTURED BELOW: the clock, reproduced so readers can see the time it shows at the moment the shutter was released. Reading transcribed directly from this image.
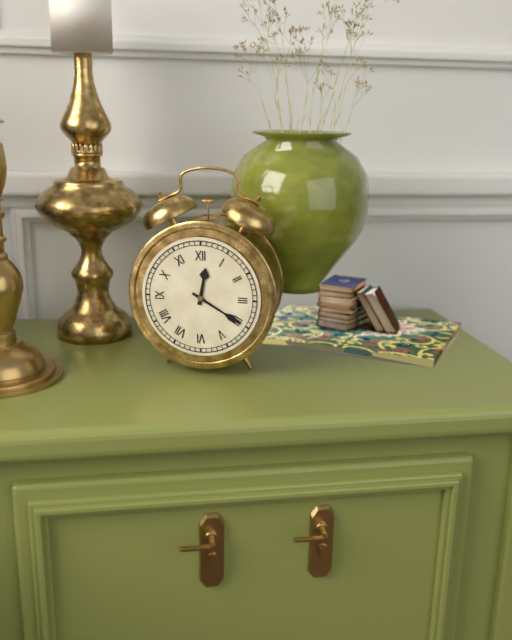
12:20
